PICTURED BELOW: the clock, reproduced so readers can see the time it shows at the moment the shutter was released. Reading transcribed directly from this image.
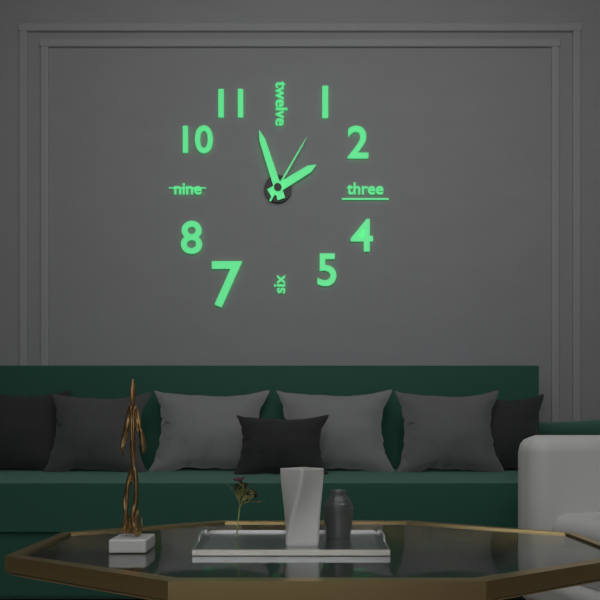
1:57:05
